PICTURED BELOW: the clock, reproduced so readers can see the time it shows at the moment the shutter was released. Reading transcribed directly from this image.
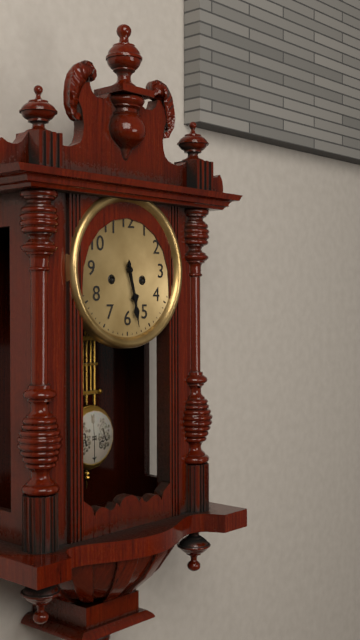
5:28
